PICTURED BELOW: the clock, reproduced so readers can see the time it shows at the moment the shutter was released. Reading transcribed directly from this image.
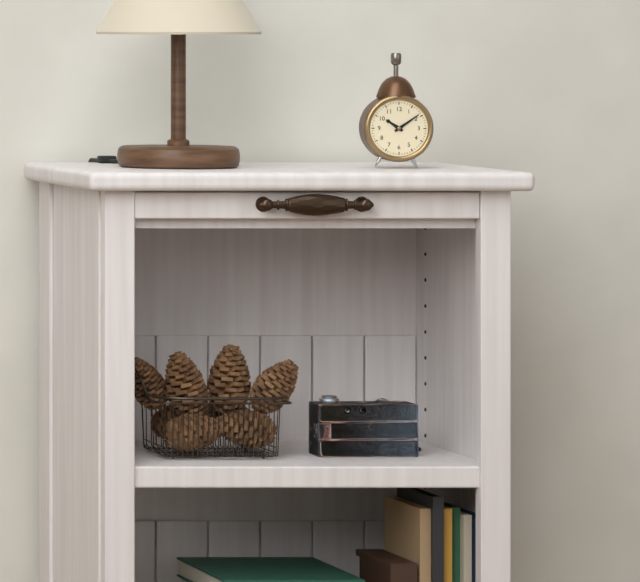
10:09
